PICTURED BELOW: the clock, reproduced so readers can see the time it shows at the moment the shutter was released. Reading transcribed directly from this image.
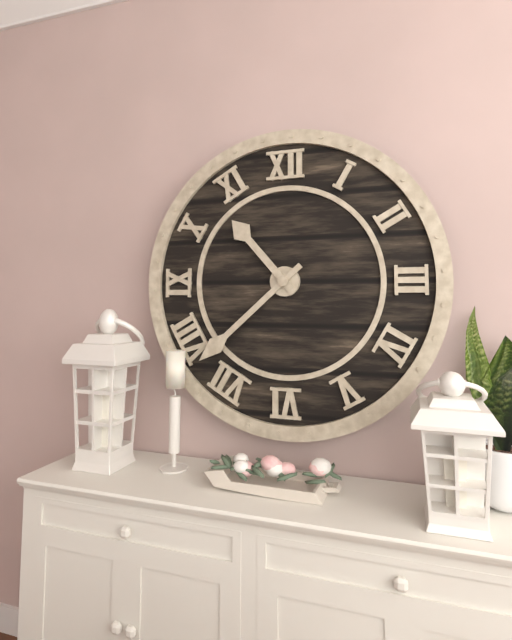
10:38
